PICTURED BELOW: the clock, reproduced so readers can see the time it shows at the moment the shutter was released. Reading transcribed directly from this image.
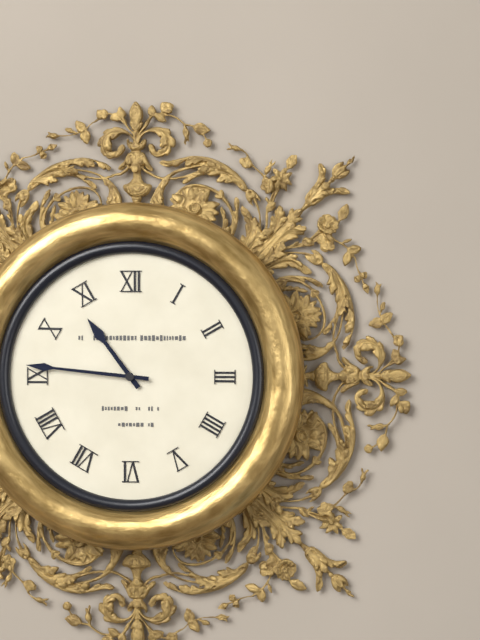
10:46
